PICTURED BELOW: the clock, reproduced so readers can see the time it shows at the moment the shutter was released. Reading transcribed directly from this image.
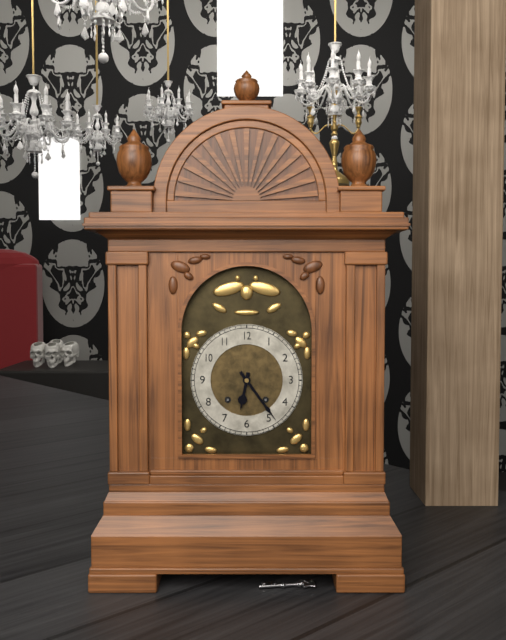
6:24
